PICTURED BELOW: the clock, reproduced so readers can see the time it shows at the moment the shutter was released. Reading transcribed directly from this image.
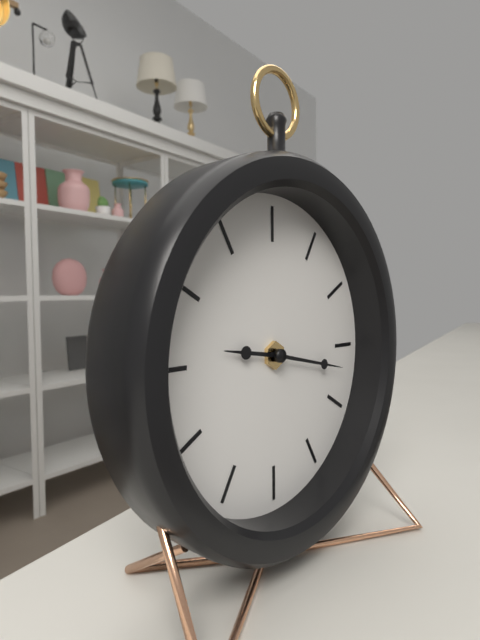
9:17
